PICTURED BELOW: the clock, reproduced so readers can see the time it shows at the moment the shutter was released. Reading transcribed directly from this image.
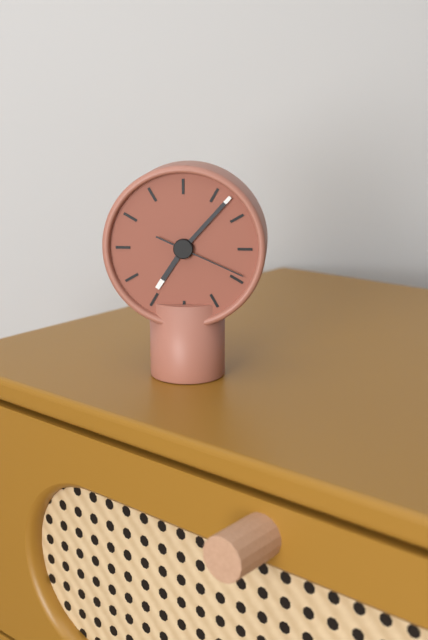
7:07:19
